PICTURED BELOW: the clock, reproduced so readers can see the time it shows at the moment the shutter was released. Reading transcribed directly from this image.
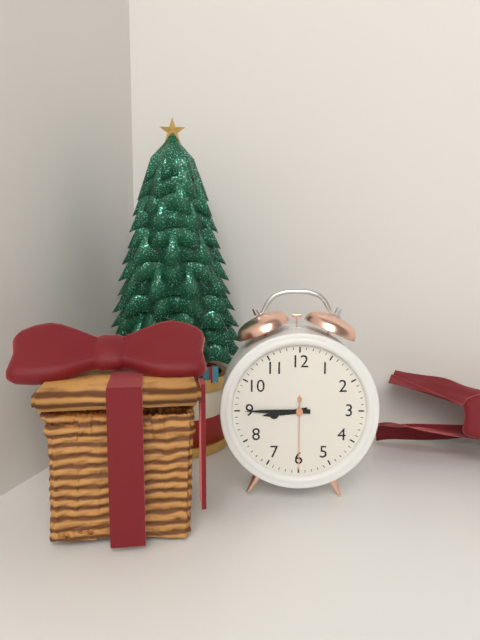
8:45:30
